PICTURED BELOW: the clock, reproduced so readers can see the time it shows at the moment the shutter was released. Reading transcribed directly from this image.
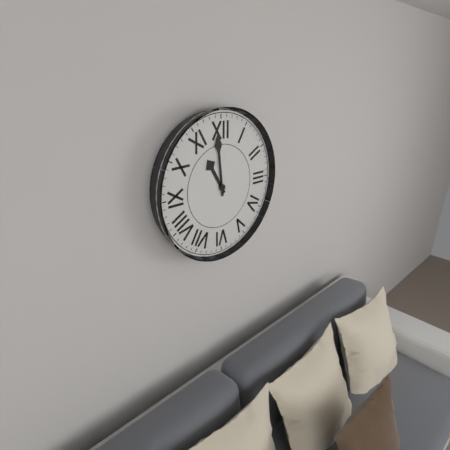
10:59
